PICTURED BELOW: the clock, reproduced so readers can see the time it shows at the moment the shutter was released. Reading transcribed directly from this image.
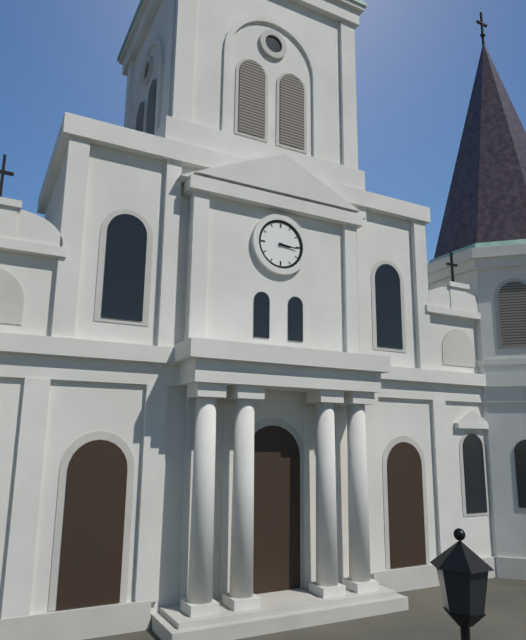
3:16
